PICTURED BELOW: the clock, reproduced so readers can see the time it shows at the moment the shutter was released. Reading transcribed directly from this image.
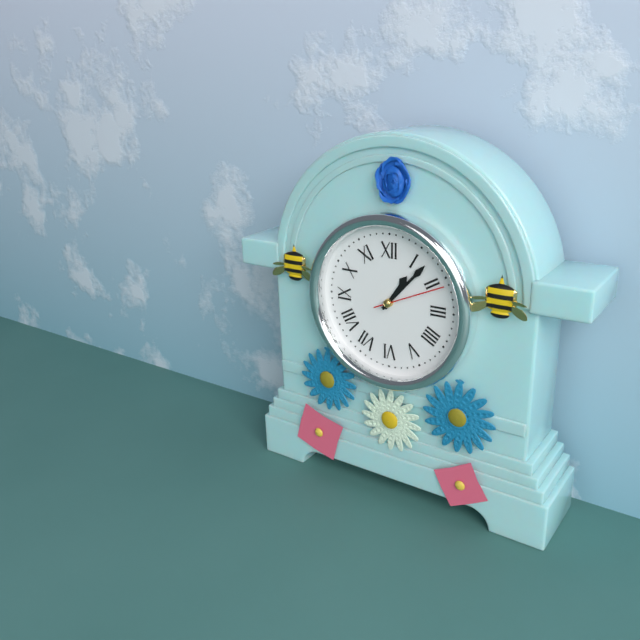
1:07:11
